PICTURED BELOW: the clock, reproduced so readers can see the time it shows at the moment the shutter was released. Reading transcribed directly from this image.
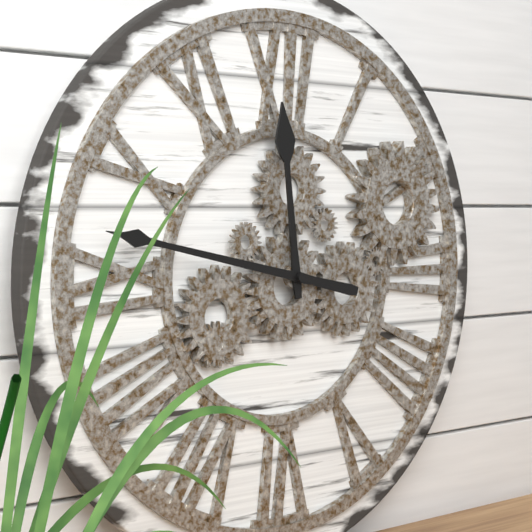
11:47
